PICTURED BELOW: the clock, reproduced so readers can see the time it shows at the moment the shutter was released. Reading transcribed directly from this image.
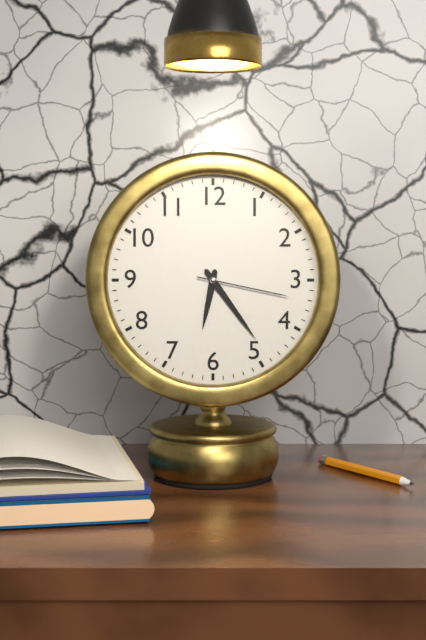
6:24:17
